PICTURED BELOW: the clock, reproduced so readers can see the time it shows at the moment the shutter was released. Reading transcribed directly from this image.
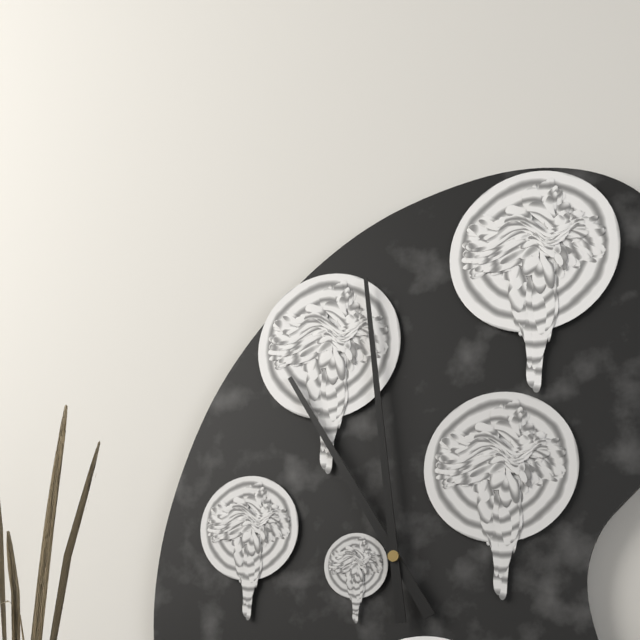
10:59
